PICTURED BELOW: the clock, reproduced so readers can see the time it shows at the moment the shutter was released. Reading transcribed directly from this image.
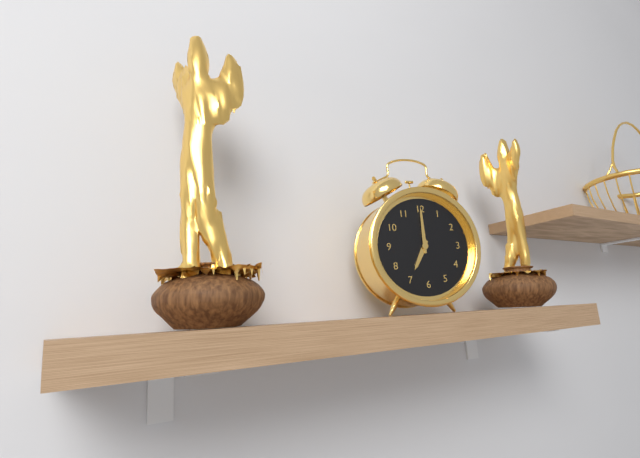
7:00
